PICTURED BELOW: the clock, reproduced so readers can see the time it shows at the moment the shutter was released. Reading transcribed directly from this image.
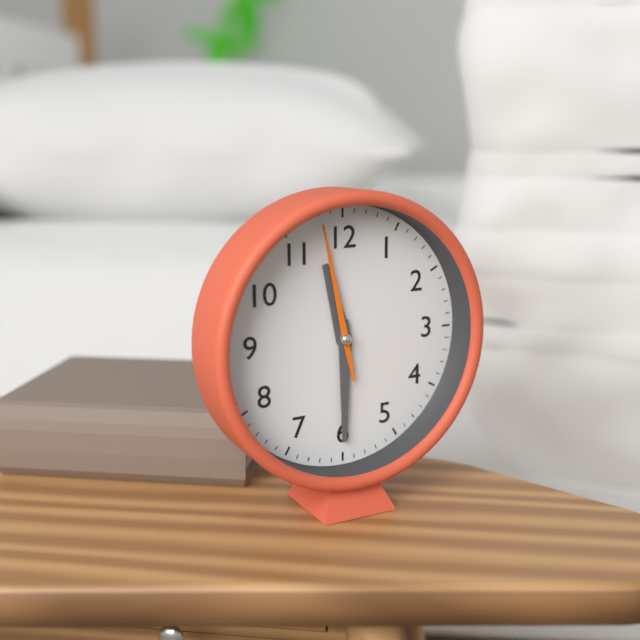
11:30:58
